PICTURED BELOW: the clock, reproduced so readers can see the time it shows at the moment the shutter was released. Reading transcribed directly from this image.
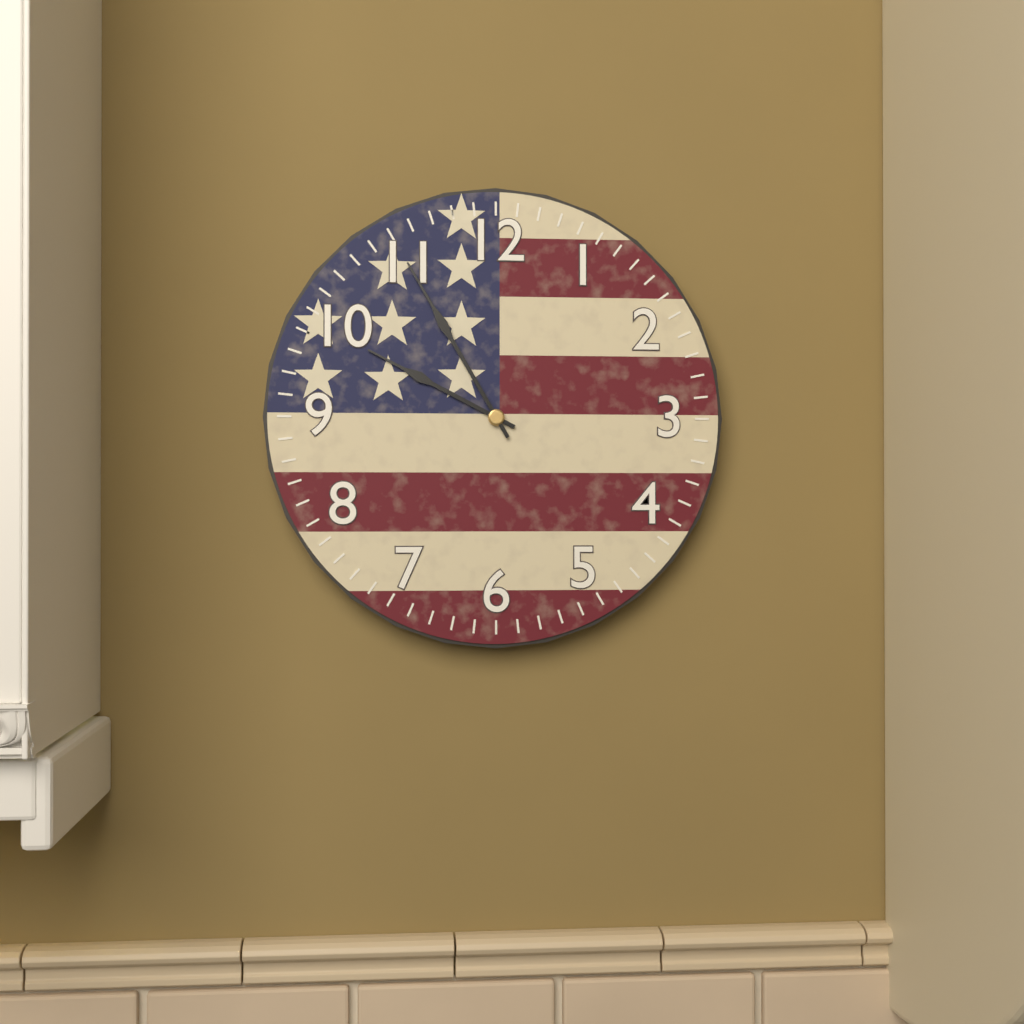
9:55
